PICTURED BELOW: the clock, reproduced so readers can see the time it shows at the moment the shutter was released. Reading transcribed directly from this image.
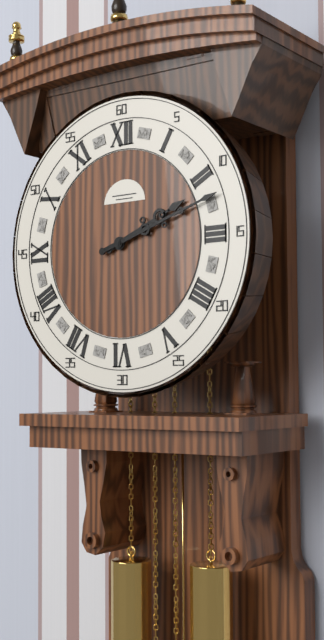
2:12
